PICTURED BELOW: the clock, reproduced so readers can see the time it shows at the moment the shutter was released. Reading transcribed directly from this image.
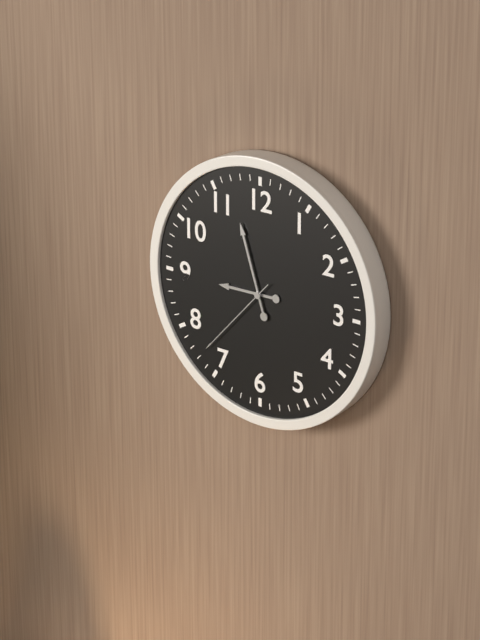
8:57:37
